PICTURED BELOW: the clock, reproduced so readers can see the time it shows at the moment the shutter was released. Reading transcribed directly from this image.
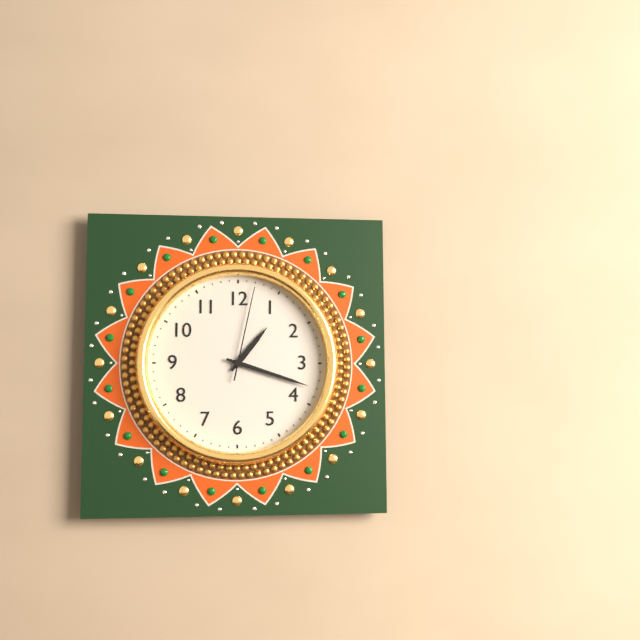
1:18:02
